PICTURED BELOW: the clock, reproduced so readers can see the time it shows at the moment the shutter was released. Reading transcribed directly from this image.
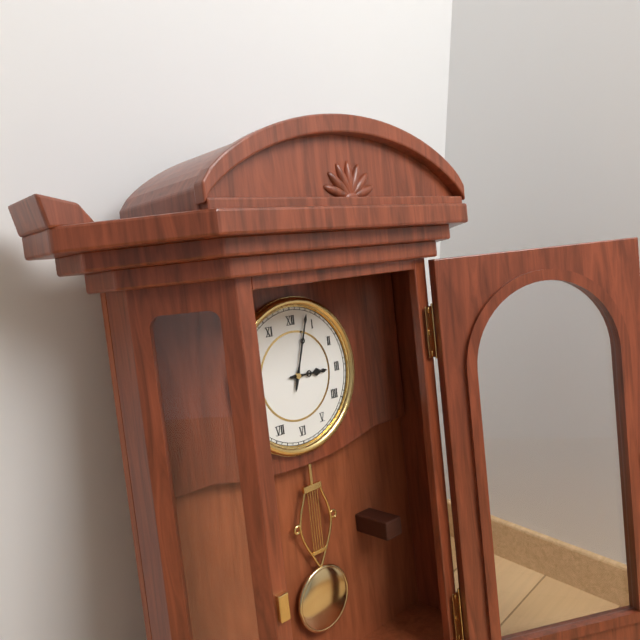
3:03
